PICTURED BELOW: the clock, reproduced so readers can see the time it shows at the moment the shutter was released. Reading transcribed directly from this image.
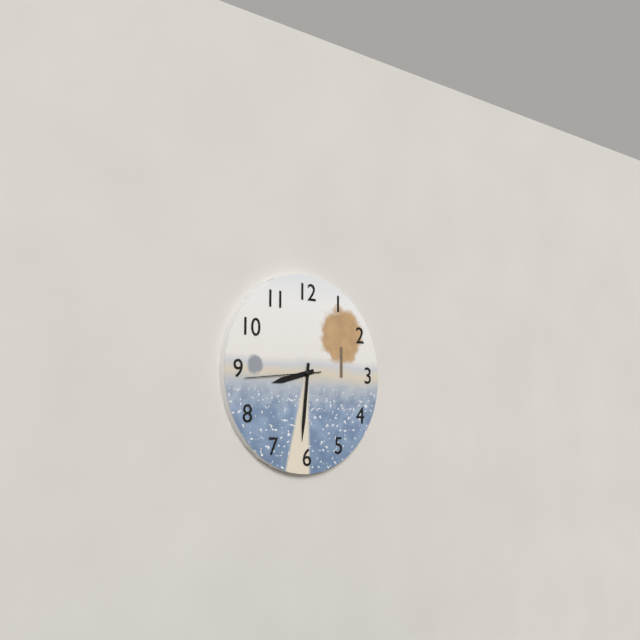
8:31:44
